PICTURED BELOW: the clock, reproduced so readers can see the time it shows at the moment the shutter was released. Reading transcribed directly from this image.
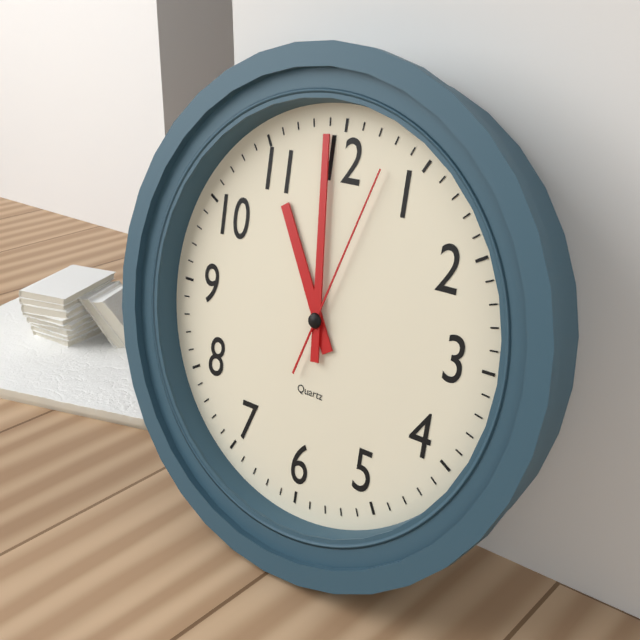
10:59:03
